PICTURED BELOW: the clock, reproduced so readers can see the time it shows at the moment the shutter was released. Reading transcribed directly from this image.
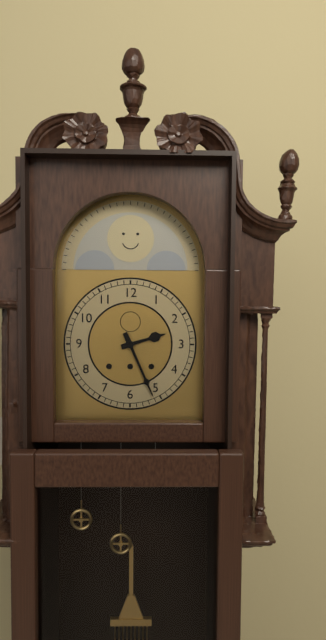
2:26
